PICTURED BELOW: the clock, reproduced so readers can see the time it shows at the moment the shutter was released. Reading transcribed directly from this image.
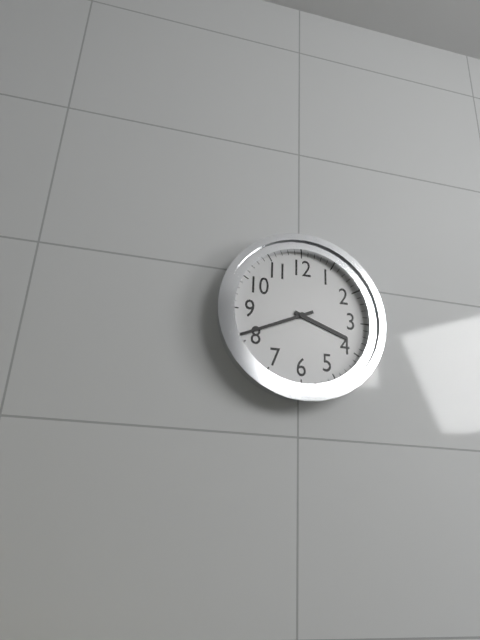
3:41
